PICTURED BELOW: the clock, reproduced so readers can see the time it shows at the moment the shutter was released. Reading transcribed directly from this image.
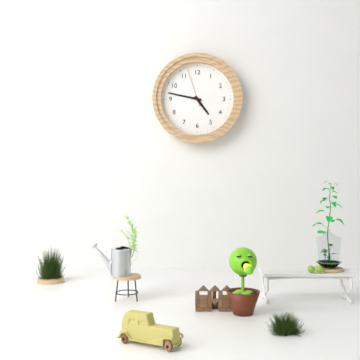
4:47
